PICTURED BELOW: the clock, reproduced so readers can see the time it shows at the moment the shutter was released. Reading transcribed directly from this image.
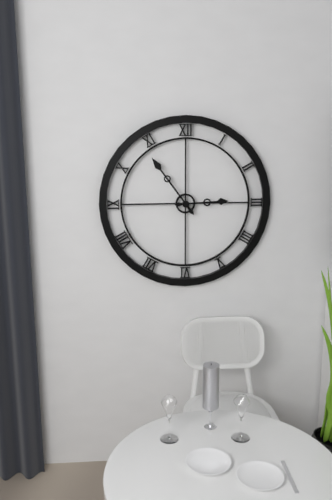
2:54
